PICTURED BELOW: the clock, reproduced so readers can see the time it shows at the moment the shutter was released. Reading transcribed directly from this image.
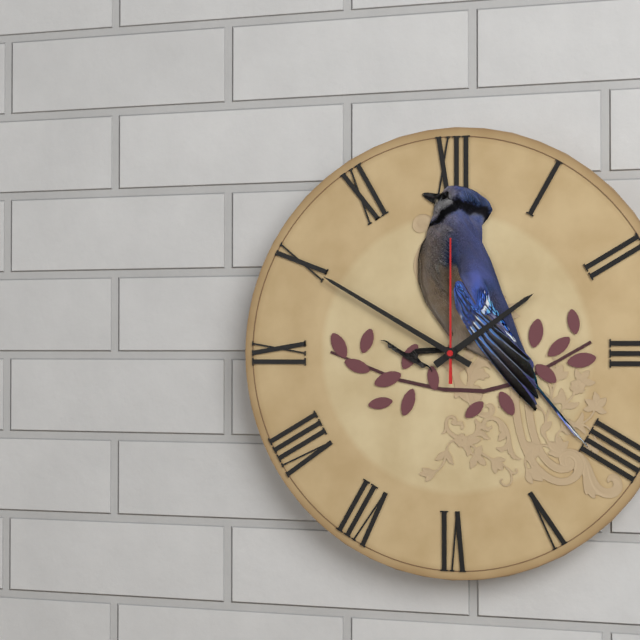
1:50:00
